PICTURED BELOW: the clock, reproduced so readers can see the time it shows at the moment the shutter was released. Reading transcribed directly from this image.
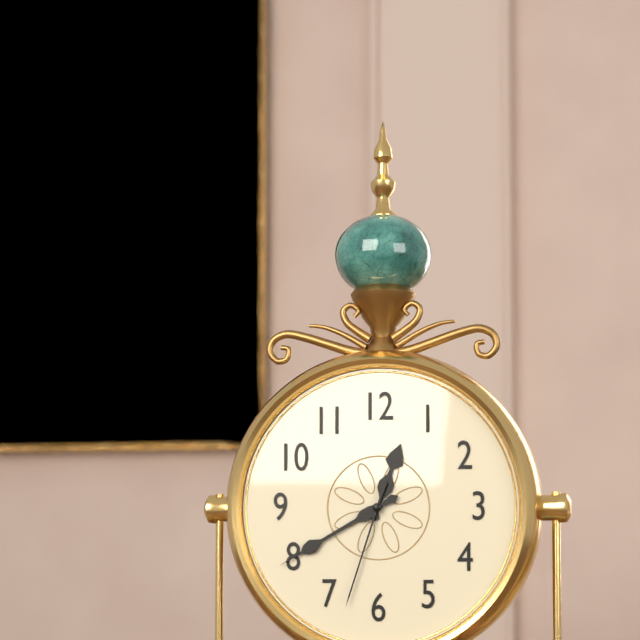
12:40:33
